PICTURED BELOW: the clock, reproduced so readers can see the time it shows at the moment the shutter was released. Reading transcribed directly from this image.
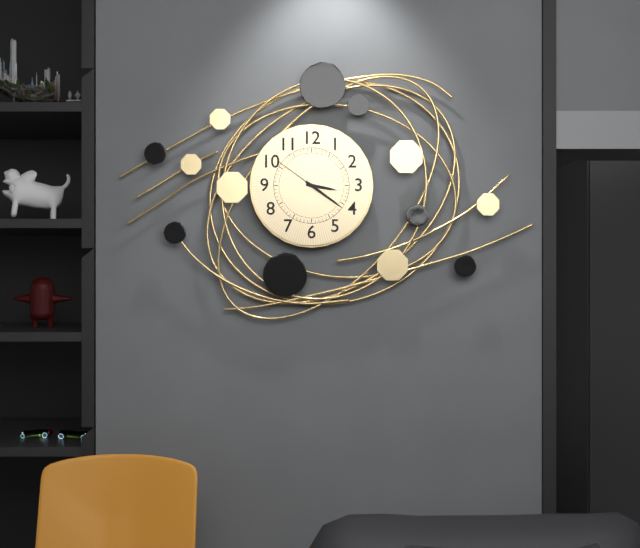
3:21:51
